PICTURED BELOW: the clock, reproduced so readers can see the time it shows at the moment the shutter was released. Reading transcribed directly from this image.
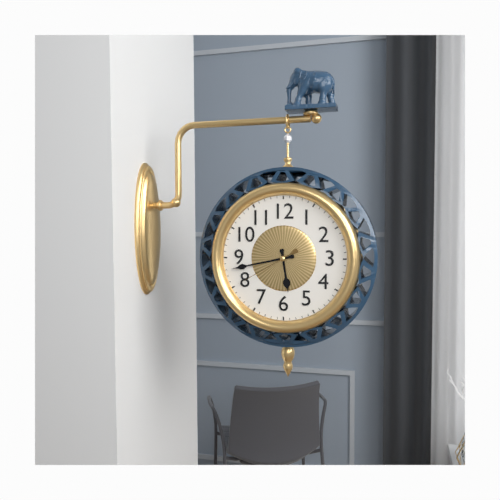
5:43:40
